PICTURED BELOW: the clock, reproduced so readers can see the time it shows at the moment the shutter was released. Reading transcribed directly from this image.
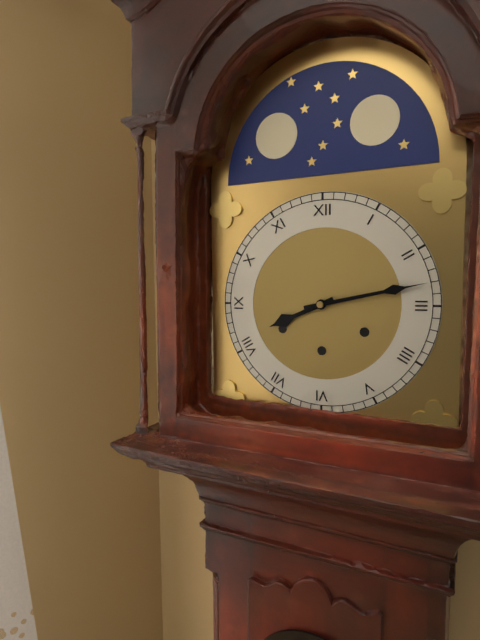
8:13
